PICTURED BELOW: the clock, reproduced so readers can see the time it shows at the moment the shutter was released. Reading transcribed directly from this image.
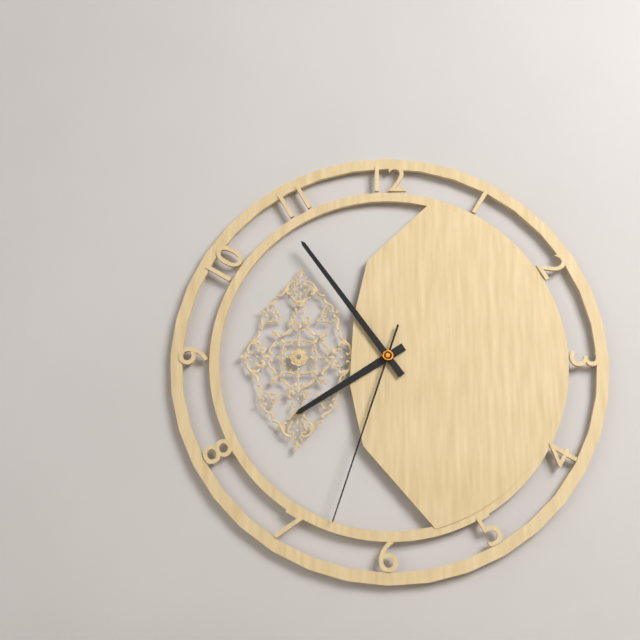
7:54:33
